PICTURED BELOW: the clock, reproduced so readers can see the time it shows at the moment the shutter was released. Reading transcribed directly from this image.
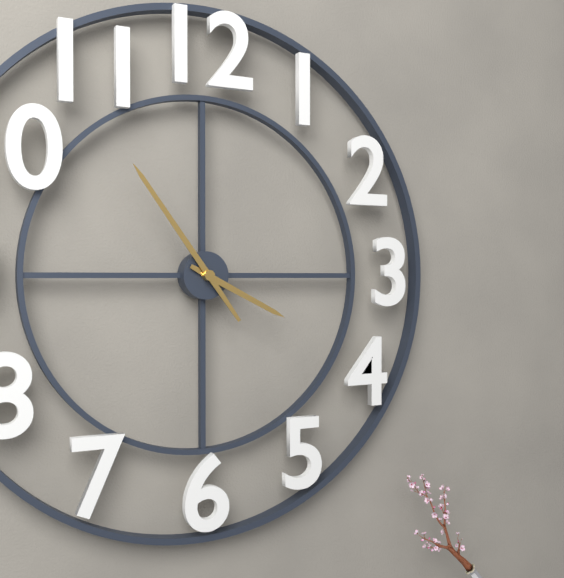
3:54
